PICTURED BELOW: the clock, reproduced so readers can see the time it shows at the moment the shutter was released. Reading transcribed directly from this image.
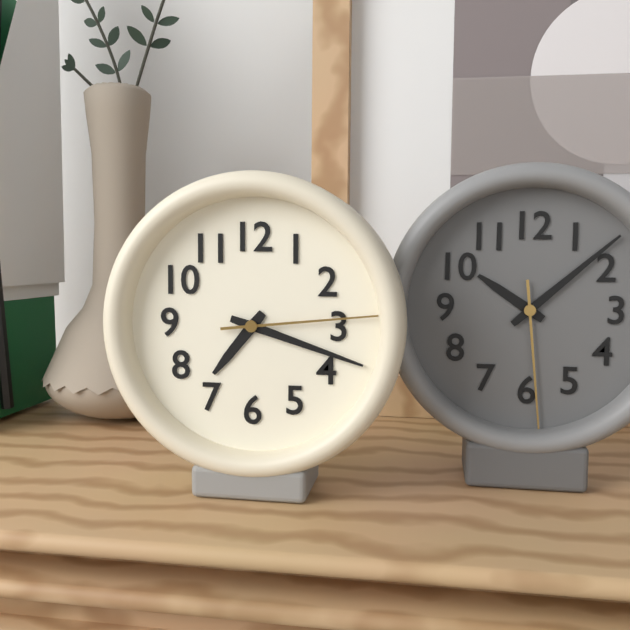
7:18:14
